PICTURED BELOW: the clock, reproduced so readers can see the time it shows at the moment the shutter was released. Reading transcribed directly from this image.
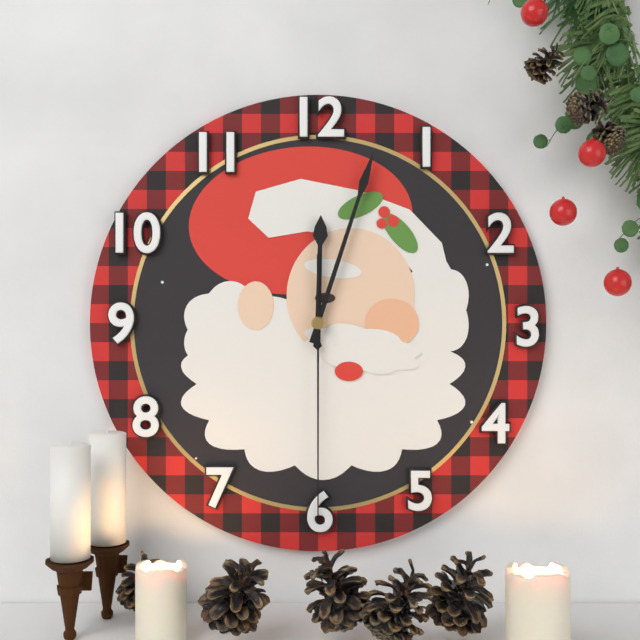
12:03:30
